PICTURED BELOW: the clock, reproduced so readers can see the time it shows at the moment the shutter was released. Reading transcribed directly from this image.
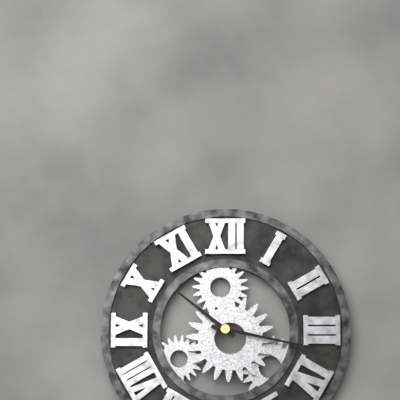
10:17
